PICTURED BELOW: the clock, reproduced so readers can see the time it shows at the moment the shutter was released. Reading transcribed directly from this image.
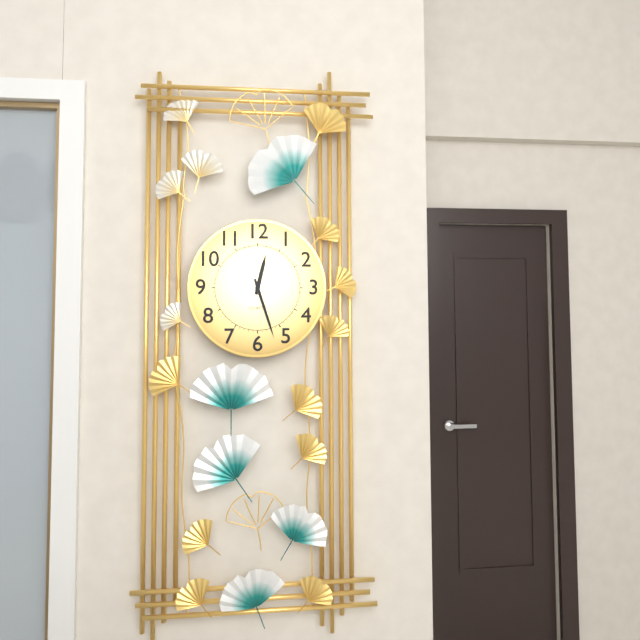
12:27
